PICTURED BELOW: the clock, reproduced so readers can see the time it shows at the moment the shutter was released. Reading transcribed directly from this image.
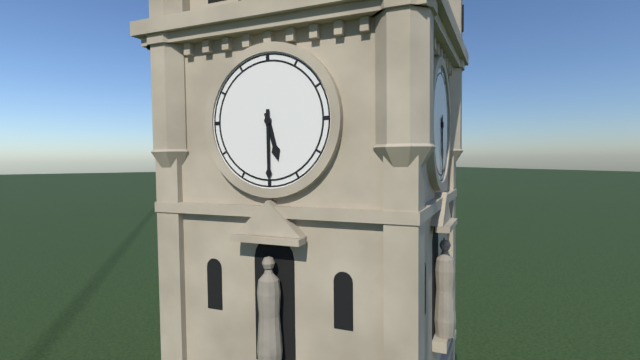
5:30
